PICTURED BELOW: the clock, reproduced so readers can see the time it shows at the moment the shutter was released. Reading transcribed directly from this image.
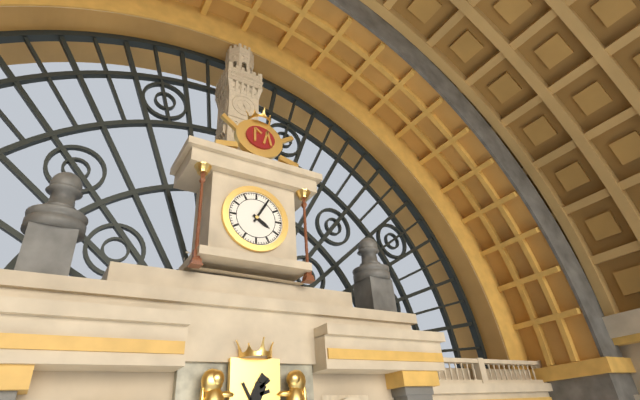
4:05
